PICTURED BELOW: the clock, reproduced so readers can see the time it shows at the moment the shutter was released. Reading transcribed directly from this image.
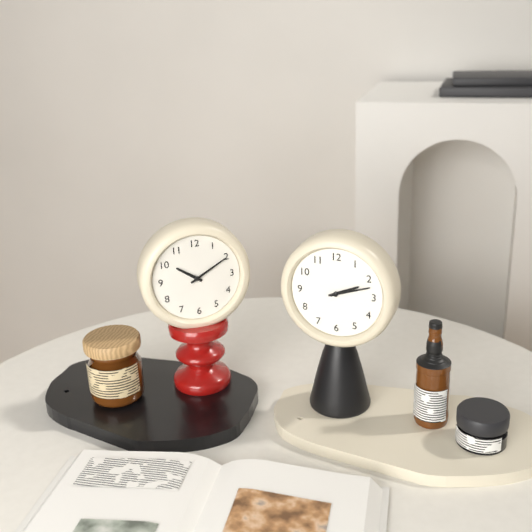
2:12
